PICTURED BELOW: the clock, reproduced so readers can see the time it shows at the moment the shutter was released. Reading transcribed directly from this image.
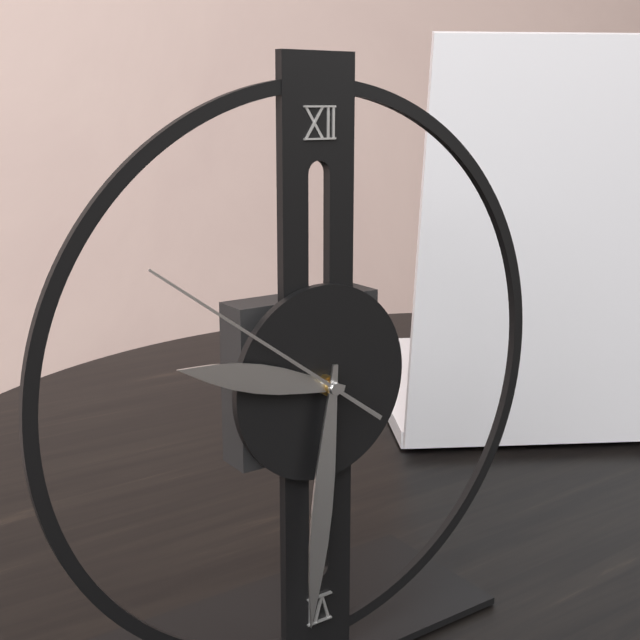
9:31:51
